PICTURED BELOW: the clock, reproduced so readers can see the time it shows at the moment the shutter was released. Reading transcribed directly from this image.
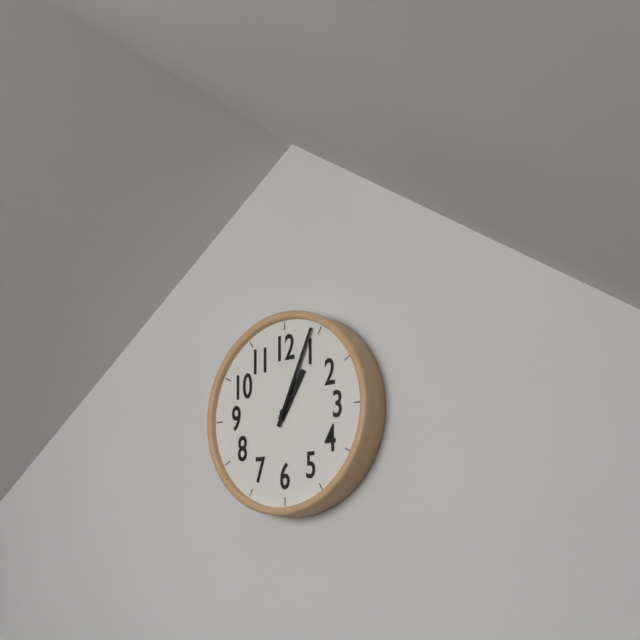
1:04
